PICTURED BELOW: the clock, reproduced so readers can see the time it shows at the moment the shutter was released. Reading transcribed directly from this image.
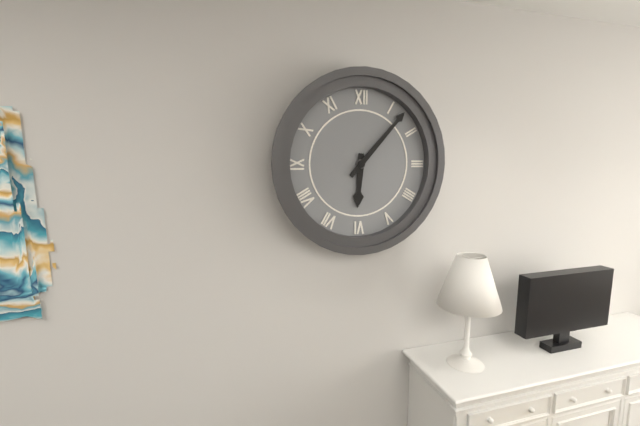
6:07
